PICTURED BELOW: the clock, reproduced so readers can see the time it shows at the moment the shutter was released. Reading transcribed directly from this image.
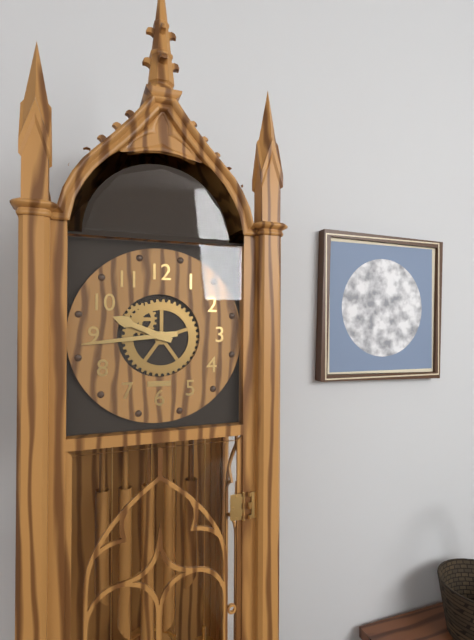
9:44
